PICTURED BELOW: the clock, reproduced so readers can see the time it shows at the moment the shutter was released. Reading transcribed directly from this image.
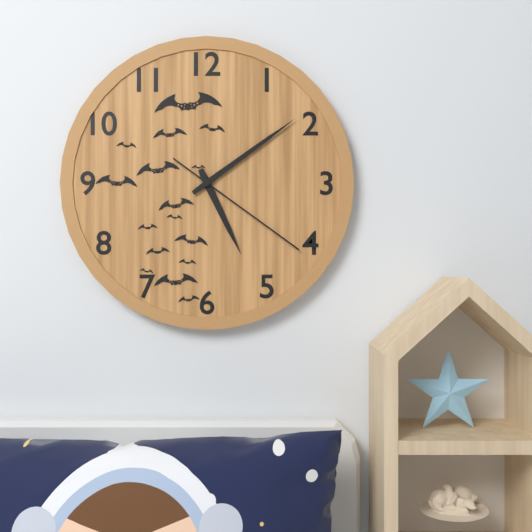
5:09:21
